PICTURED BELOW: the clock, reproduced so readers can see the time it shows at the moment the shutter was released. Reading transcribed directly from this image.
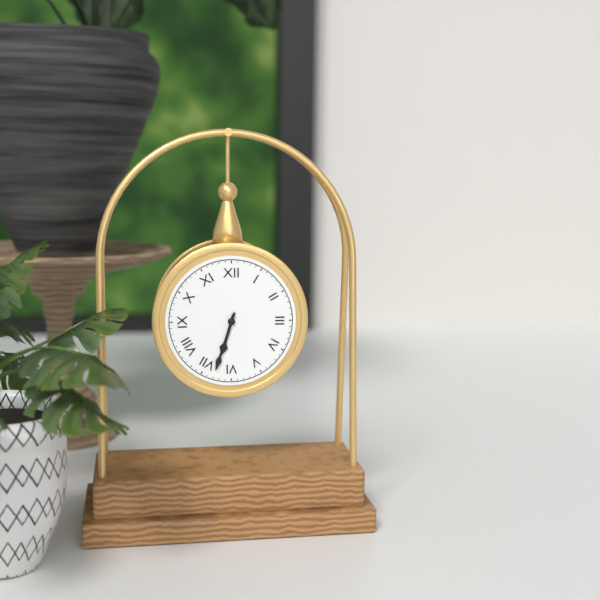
6:33
